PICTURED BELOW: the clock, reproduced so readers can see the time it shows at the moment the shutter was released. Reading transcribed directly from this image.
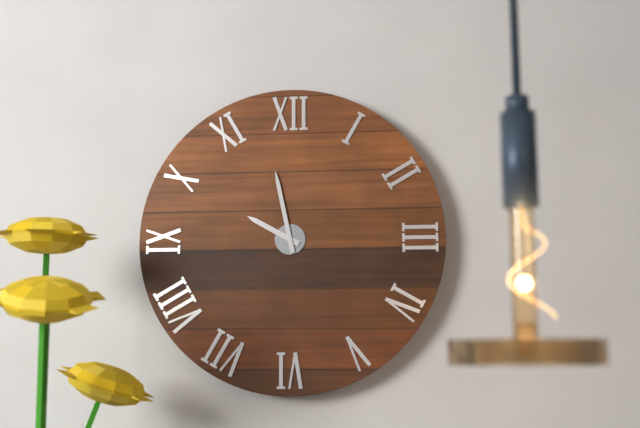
9:58
